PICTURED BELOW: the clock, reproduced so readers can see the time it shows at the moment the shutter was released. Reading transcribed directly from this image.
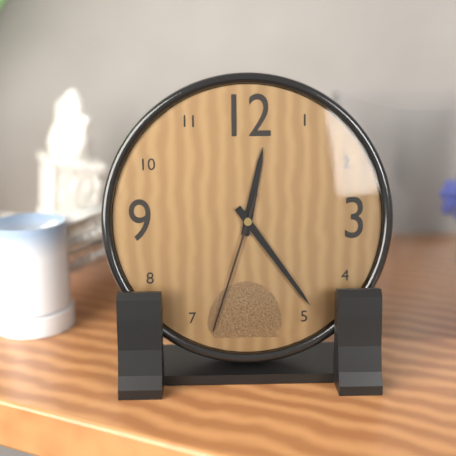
12:24:33
